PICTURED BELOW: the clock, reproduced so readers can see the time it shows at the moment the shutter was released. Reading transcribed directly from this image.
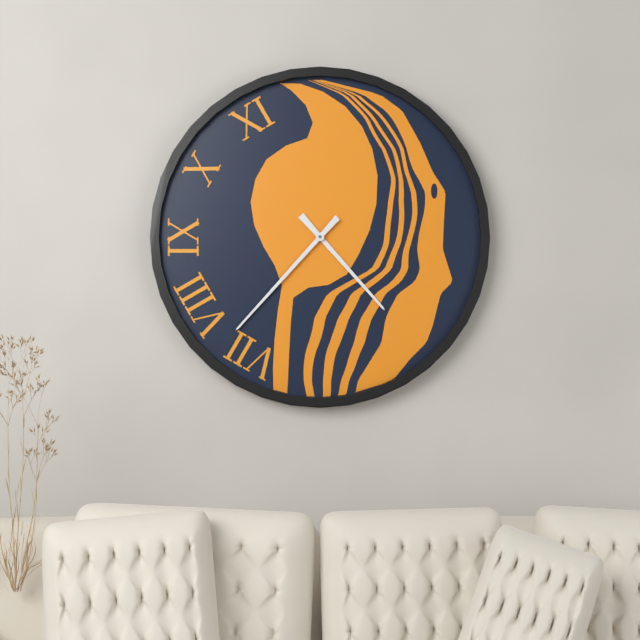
4:37
